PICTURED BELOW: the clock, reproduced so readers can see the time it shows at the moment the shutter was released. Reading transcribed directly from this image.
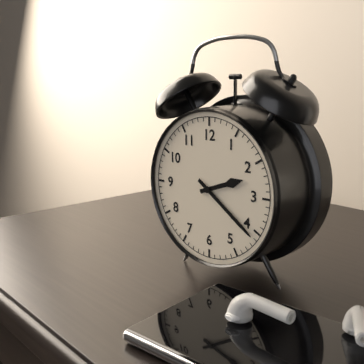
2:21
